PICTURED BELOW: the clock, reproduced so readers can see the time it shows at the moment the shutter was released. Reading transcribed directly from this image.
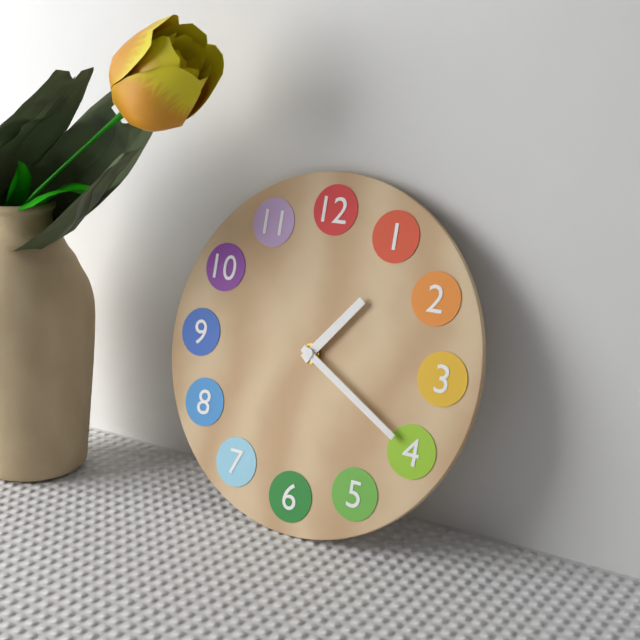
1:20
